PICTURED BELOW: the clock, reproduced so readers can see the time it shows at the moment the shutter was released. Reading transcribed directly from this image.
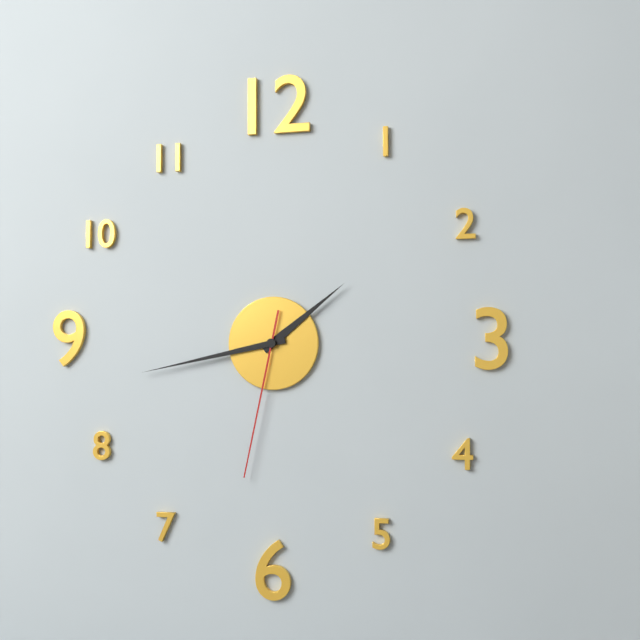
1:43:32
